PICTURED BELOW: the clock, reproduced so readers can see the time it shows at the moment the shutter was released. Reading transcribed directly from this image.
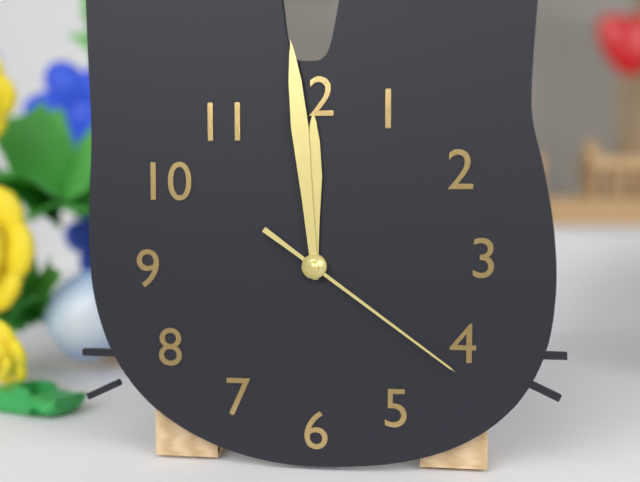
11:59:21
